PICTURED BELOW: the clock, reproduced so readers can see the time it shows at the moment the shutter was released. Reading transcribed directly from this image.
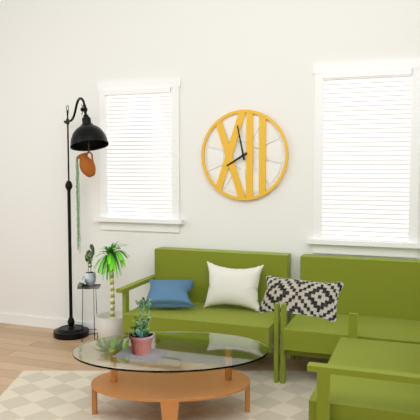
7:58
